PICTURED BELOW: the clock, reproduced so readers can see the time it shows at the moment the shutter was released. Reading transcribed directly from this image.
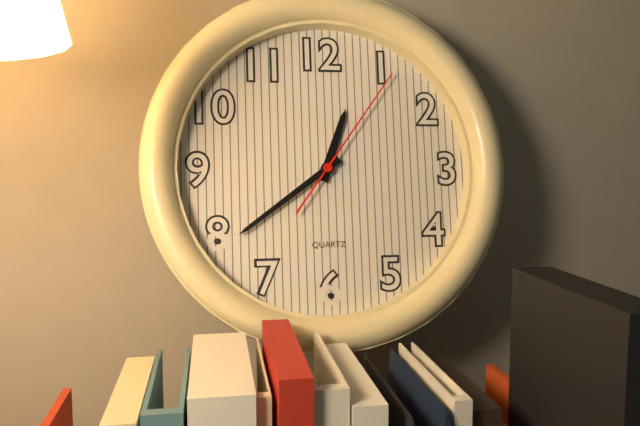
12:39:06
